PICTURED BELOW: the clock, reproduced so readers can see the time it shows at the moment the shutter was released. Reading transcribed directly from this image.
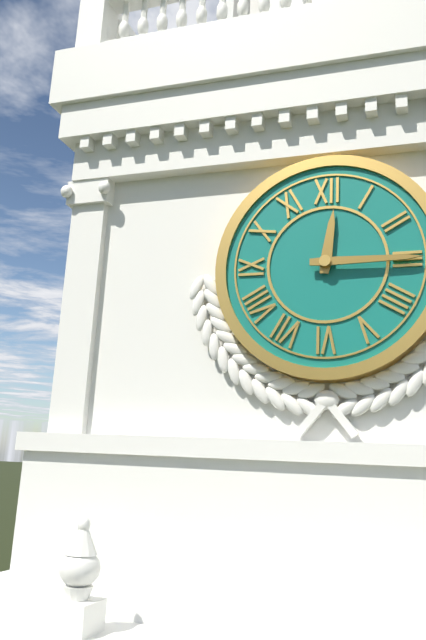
12:15
